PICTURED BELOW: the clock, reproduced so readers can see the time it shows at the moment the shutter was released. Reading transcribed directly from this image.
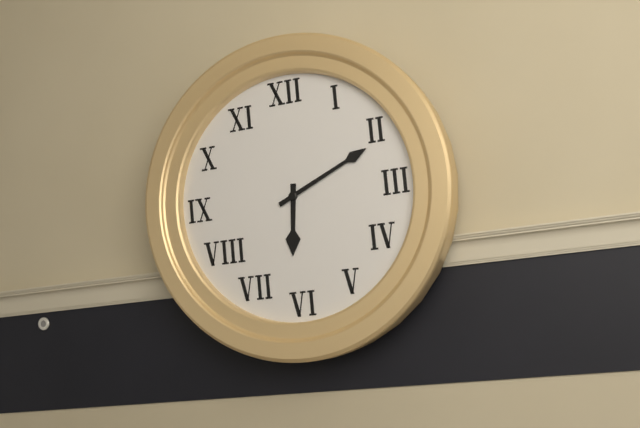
6:11
